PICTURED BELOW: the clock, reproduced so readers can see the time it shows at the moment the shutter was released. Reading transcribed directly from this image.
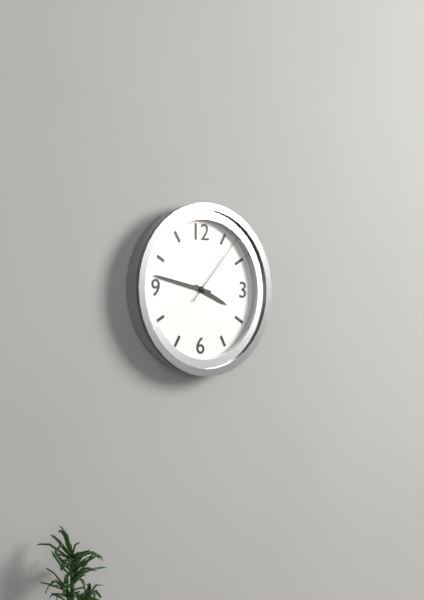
3:47:07
